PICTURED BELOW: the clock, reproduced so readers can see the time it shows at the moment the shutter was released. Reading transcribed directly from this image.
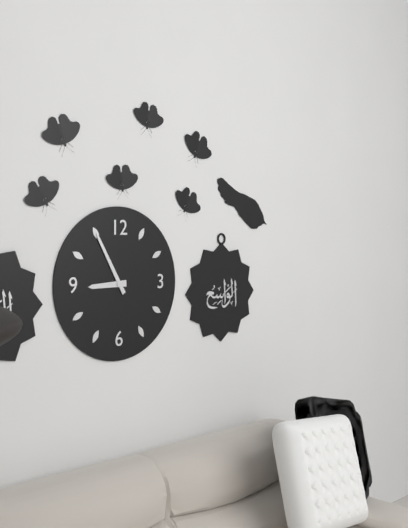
8:55
